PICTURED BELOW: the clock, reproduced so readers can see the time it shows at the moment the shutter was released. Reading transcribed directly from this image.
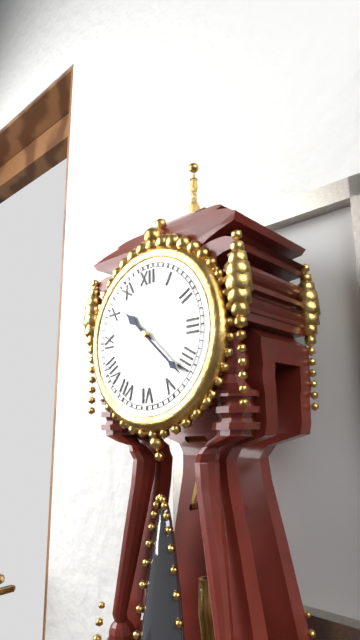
10:22
